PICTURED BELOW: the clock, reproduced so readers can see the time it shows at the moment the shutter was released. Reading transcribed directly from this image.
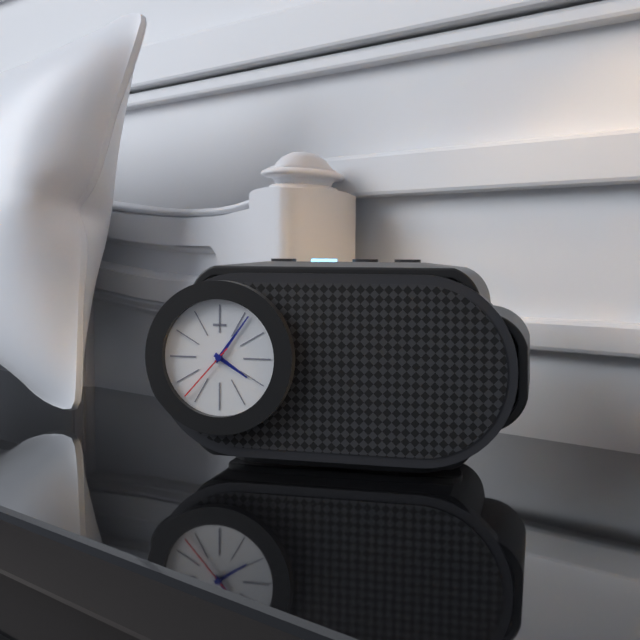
4:06:37
